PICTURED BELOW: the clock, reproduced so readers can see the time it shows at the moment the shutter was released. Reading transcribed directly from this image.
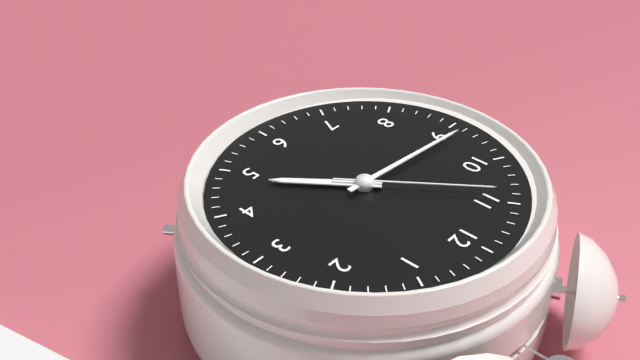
4:46:54
